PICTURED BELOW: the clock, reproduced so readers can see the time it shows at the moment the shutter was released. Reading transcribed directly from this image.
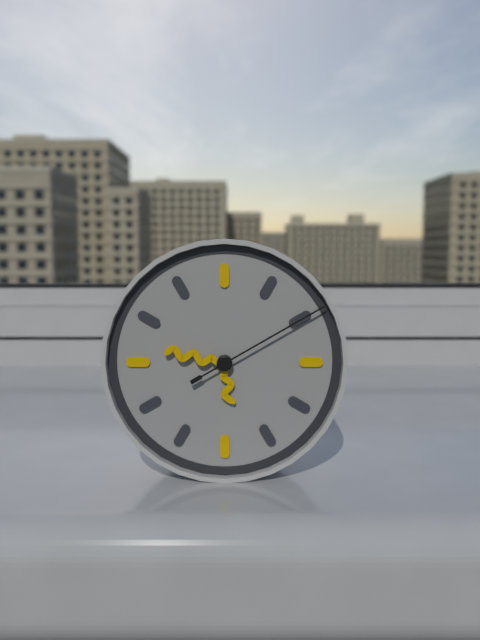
5:47:10
